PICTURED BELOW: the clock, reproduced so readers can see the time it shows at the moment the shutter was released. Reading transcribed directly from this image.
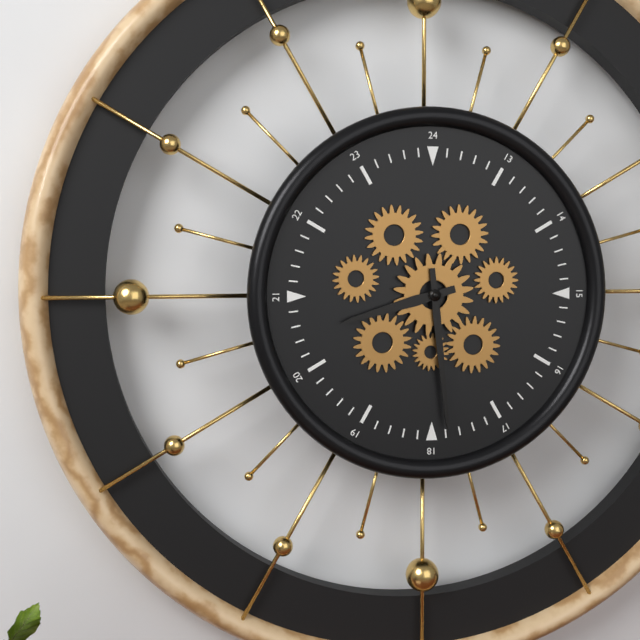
8:29
